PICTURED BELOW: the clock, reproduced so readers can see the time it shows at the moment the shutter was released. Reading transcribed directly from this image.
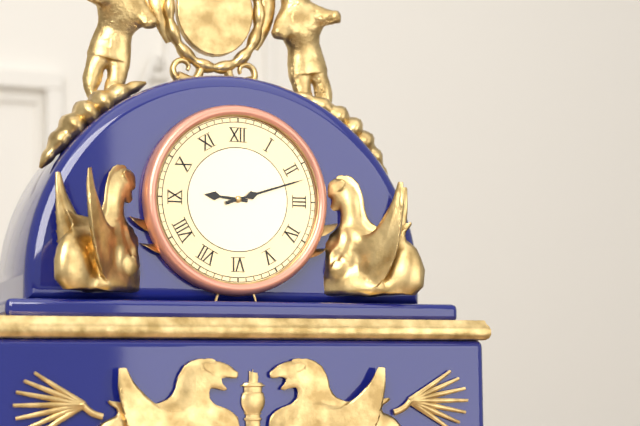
9:12
